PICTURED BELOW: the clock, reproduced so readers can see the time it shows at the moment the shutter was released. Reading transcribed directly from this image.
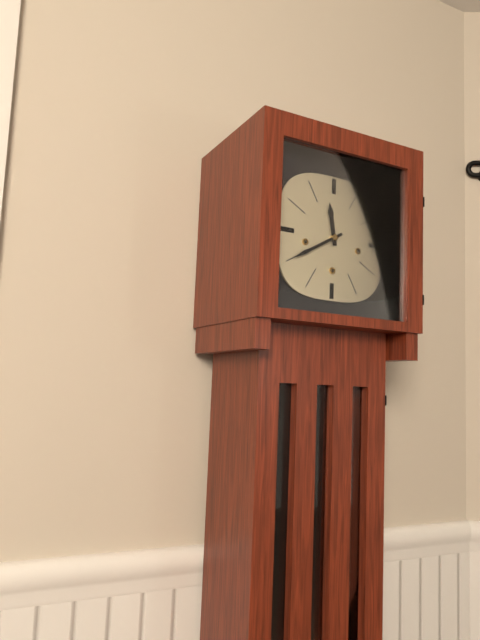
11:40
